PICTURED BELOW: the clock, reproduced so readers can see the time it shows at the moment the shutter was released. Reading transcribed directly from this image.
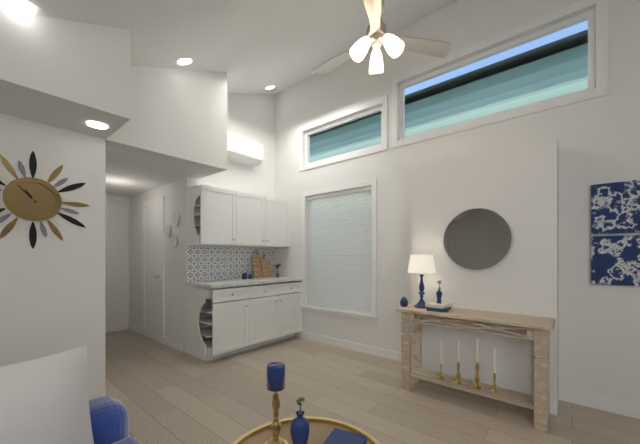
10:53
